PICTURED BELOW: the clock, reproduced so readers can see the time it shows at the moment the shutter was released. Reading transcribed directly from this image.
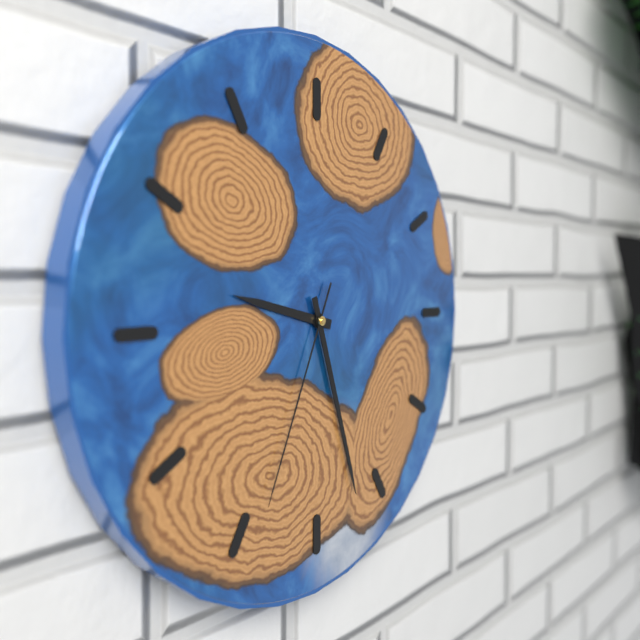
9:27:34
